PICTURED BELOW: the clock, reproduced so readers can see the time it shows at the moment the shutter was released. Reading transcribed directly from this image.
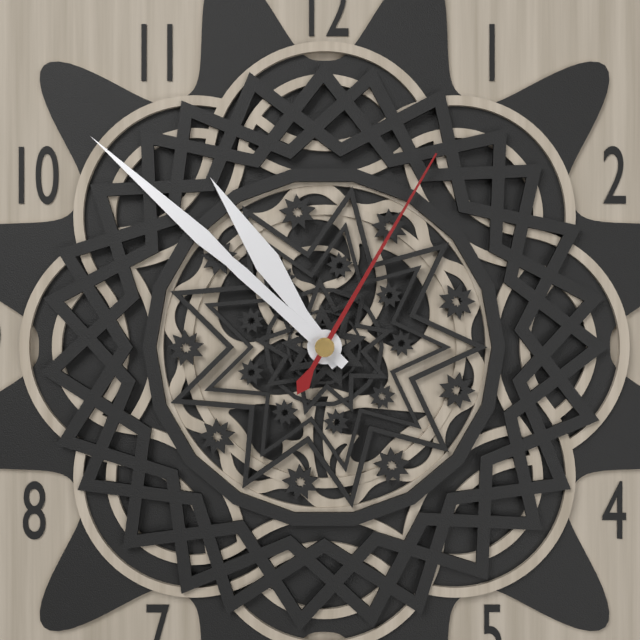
10:52:05
